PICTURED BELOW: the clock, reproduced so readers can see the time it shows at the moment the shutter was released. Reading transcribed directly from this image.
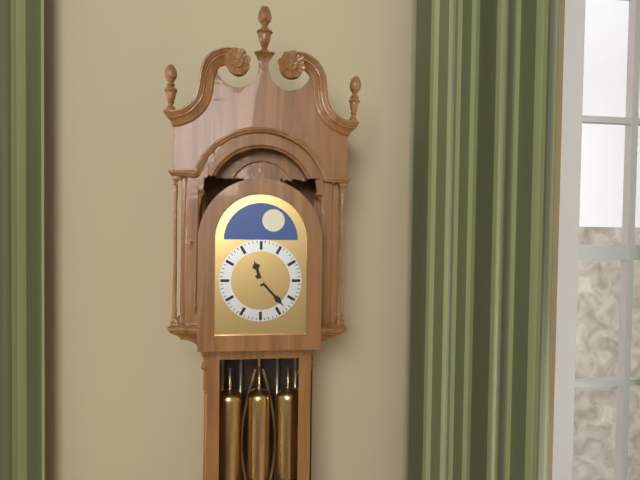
11:23
